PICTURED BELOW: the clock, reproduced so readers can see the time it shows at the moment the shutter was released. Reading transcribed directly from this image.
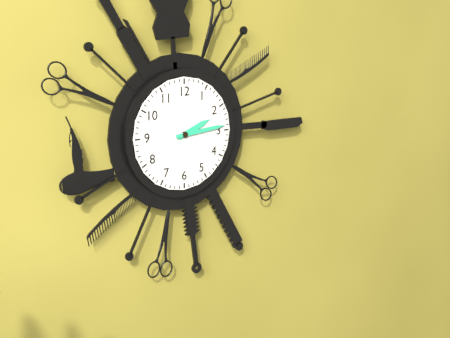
2:14
